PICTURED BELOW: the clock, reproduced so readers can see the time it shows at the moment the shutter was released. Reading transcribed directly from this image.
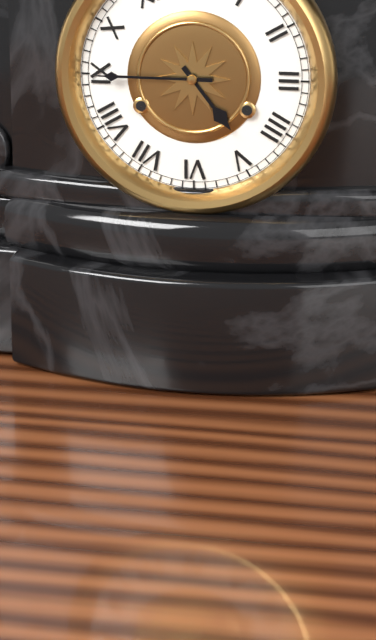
4:45
